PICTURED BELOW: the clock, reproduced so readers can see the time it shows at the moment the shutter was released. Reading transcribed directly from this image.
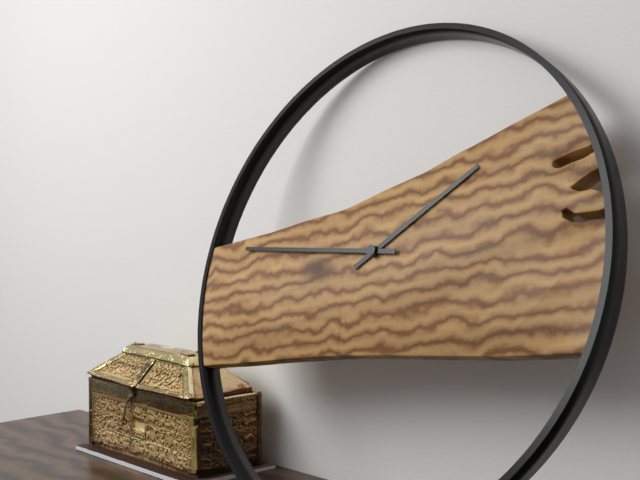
1:45
